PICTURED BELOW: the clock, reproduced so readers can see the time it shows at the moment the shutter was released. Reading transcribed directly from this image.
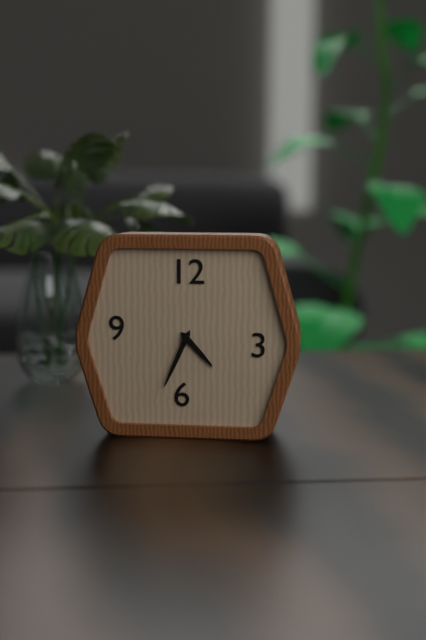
4:34
